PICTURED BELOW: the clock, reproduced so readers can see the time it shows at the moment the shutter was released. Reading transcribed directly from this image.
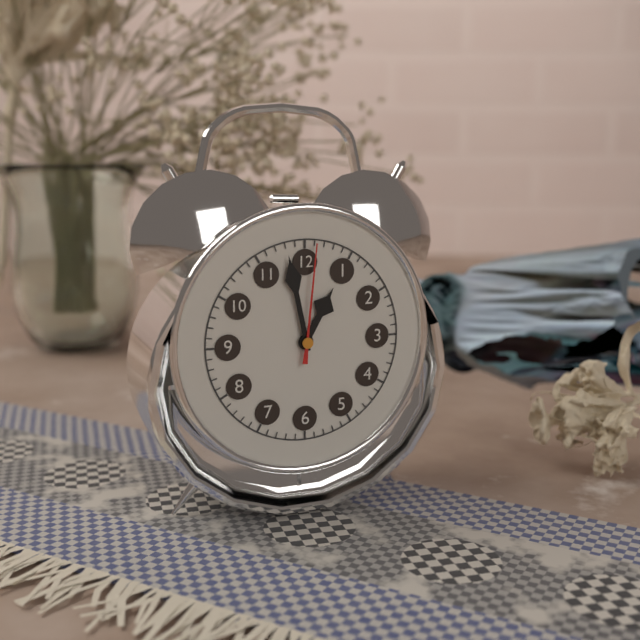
12:58:01
